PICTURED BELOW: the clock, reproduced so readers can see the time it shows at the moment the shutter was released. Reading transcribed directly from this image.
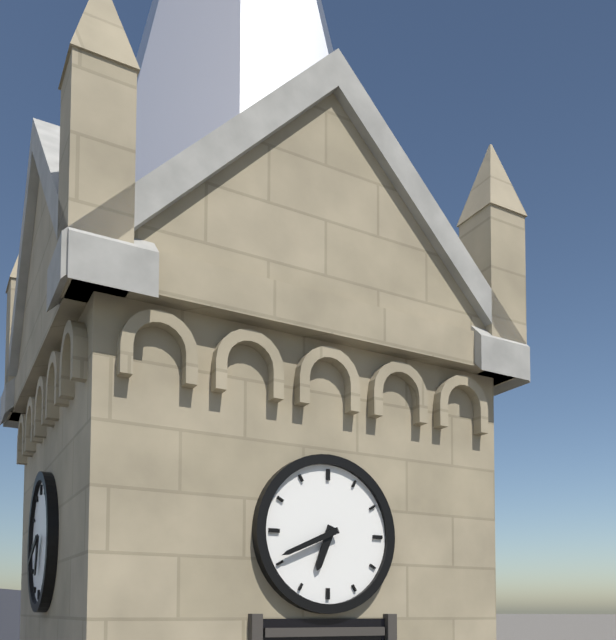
6:41
